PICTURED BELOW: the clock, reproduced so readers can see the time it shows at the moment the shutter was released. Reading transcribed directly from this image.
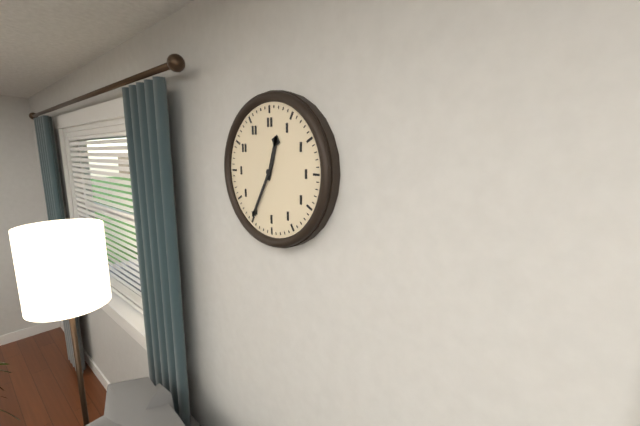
12:35
